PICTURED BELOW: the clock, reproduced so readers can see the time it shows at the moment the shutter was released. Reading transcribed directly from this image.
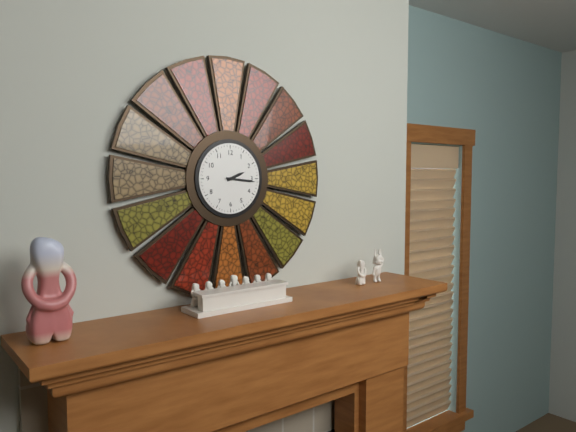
2:16
